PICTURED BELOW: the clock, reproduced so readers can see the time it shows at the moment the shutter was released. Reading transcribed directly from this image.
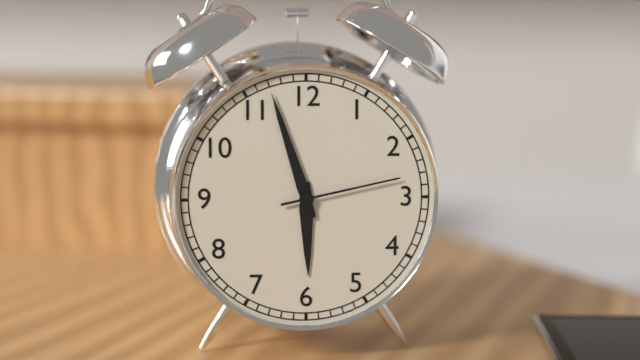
5:57:13
